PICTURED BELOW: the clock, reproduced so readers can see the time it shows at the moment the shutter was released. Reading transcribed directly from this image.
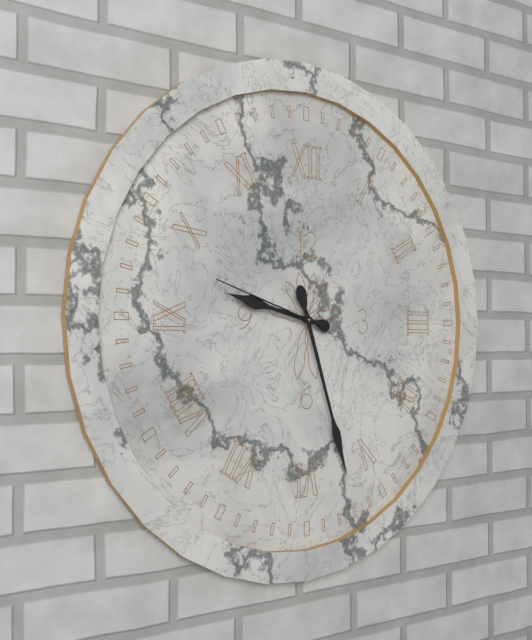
9:27:48
